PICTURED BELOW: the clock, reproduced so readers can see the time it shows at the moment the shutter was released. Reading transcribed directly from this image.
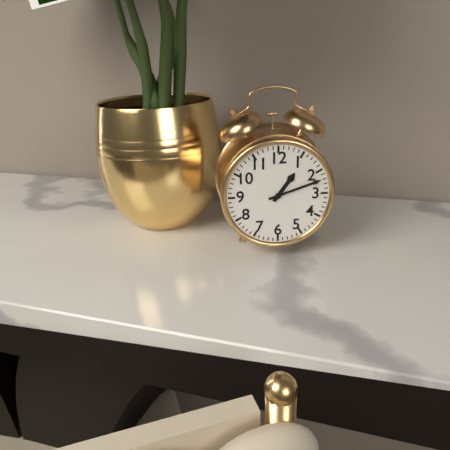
1:12
